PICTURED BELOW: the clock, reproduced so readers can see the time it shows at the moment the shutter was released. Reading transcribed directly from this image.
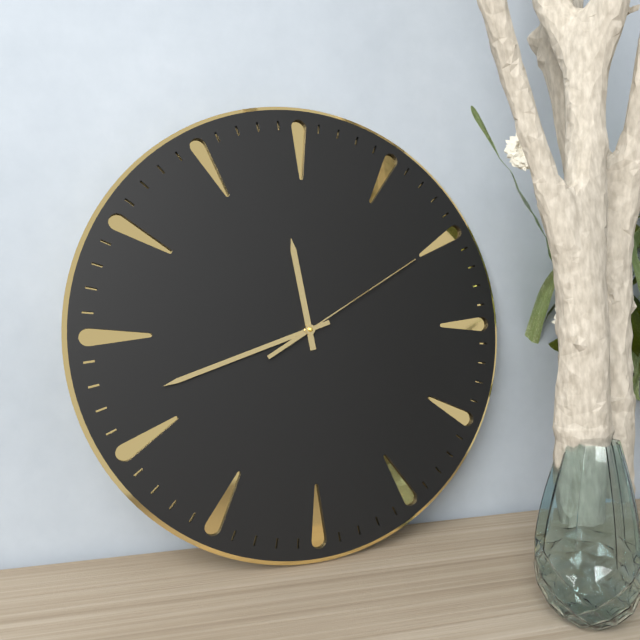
11:42:10
